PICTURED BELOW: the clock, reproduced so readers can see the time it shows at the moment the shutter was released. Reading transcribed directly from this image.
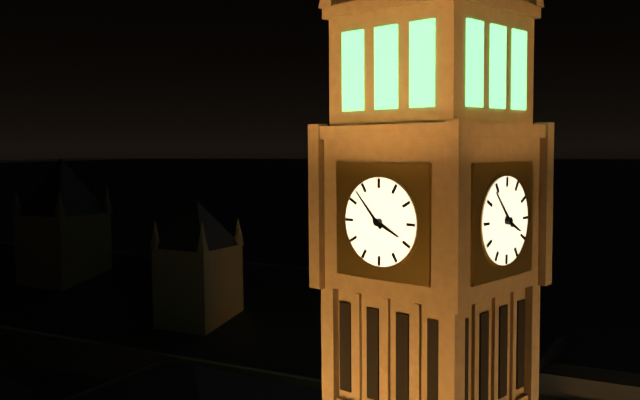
3:53
